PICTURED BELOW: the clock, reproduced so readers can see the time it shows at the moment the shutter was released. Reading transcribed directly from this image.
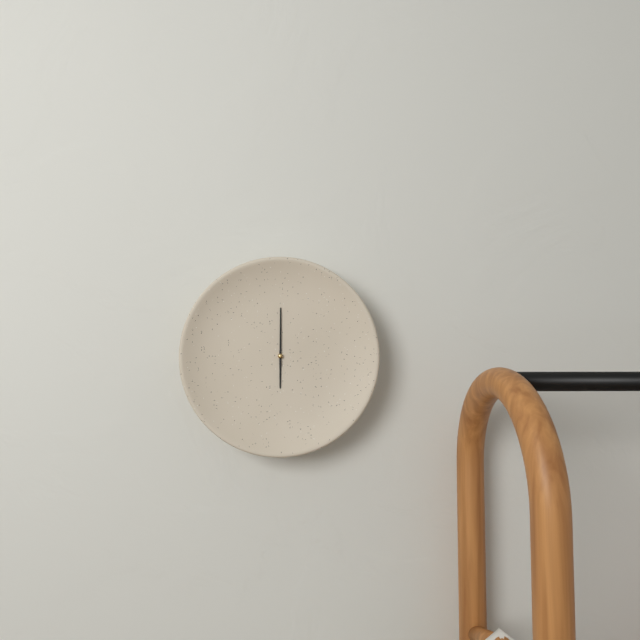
6:00
